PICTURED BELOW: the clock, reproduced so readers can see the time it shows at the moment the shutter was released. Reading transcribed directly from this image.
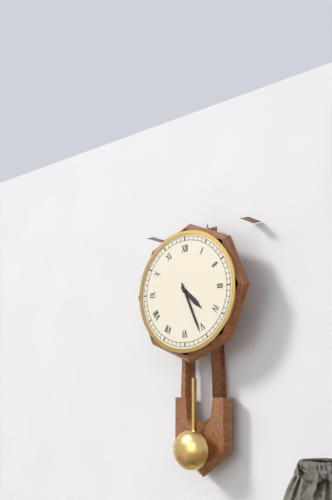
4:26
